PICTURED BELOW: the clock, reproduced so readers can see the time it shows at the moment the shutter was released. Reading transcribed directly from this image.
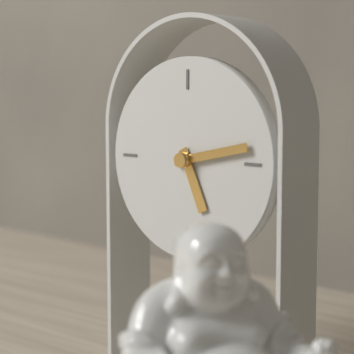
5:13
